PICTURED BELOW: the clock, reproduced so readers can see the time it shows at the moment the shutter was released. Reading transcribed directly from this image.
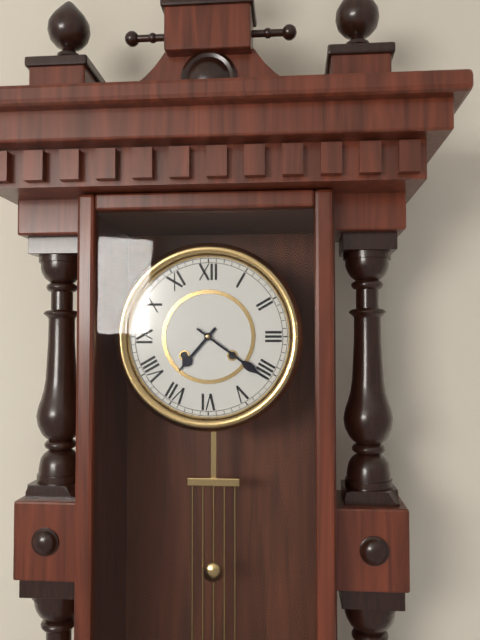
7:21
